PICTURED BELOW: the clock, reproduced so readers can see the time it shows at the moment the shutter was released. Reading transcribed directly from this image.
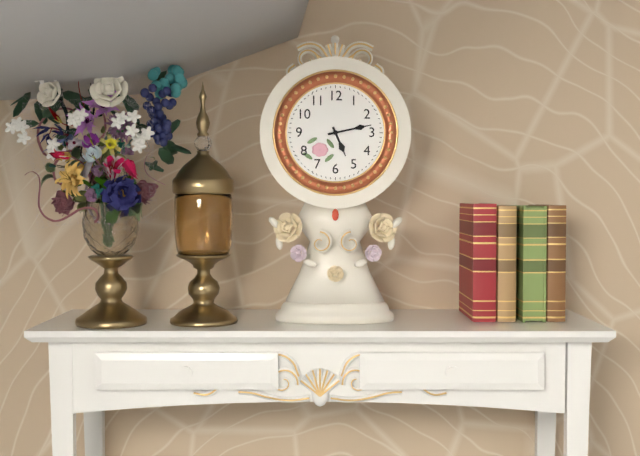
5:13
